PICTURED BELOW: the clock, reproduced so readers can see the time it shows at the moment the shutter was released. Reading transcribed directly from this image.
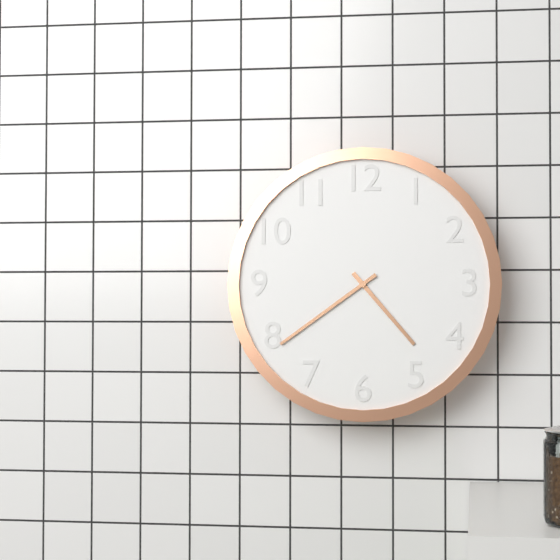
4:39
